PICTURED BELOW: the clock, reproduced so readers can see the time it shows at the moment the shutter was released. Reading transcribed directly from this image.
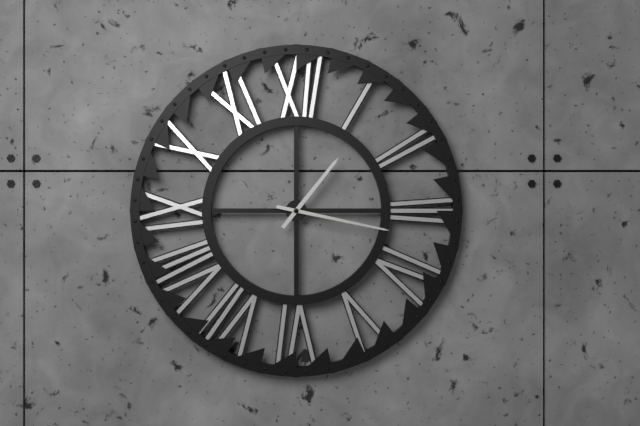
1:17
